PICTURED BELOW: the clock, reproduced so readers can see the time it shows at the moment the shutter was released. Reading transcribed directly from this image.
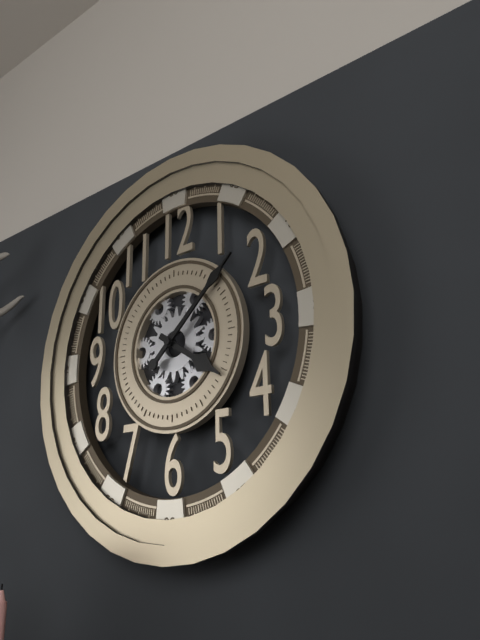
4:08
